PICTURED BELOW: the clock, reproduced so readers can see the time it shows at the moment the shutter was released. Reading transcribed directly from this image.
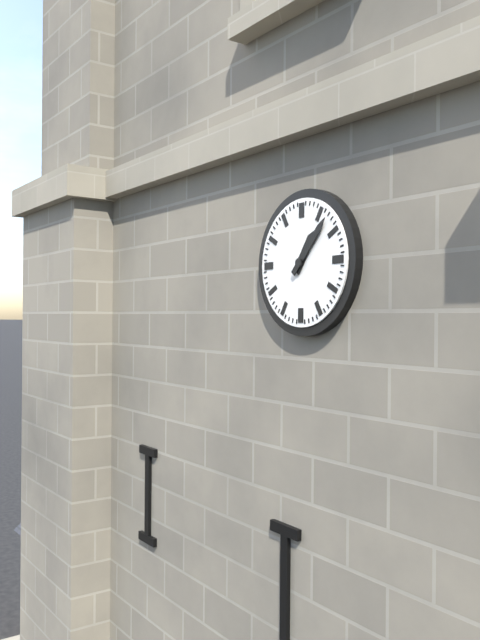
1:07
